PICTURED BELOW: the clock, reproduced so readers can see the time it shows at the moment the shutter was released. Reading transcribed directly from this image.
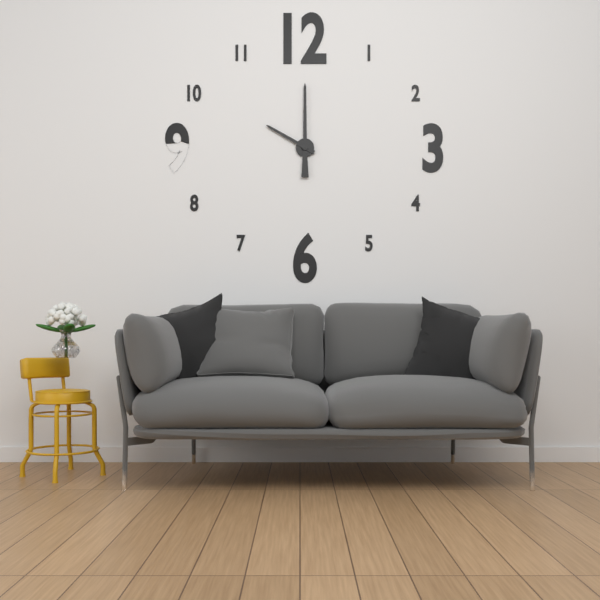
10:00
